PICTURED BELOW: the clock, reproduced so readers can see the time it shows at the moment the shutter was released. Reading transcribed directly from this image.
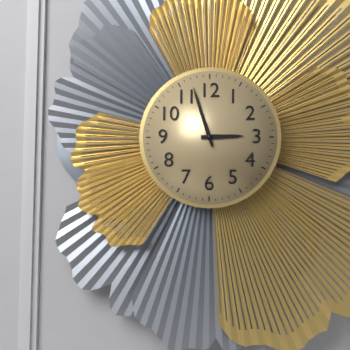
2:57
